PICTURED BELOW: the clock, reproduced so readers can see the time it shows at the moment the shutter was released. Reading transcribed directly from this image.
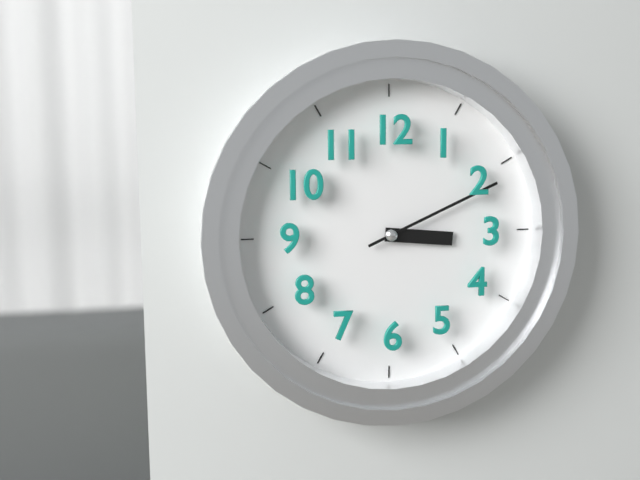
3:11
